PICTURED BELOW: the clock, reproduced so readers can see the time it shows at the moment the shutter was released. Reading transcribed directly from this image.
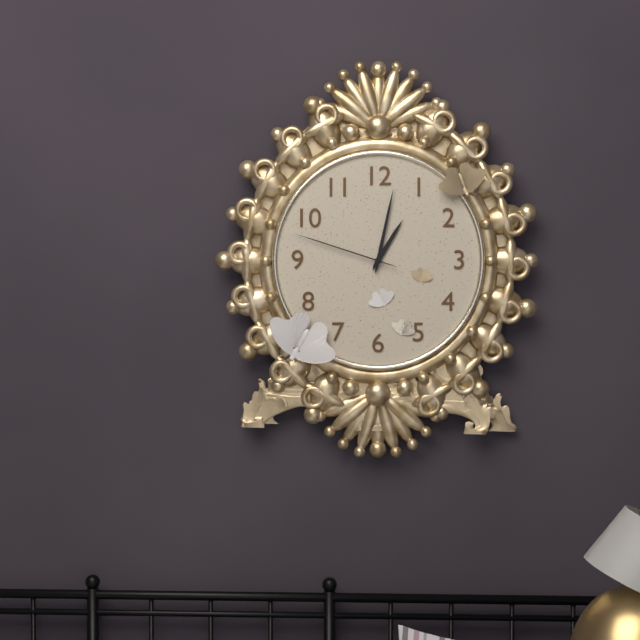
1:02:48
